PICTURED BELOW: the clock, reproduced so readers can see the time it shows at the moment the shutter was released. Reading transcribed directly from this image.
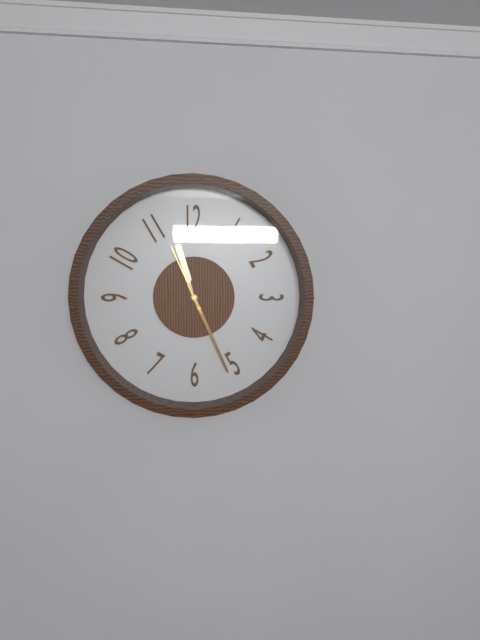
11:26:56
